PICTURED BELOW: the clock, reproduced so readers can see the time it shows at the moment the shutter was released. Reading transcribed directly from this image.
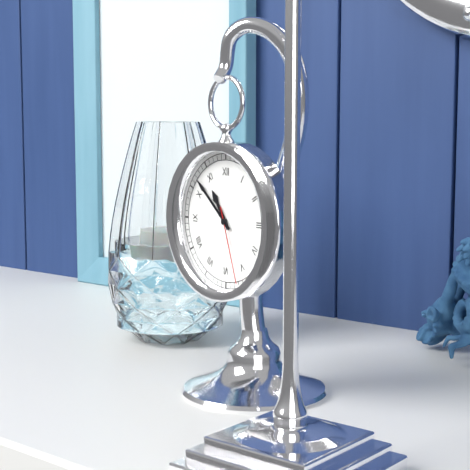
10:52:27
